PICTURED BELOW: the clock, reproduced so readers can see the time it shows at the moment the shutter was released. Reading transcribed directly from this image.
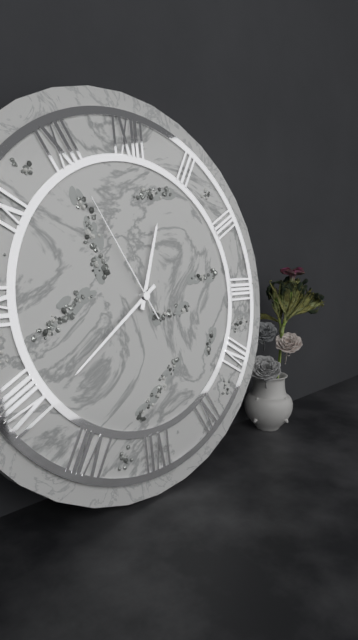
12:39:55
